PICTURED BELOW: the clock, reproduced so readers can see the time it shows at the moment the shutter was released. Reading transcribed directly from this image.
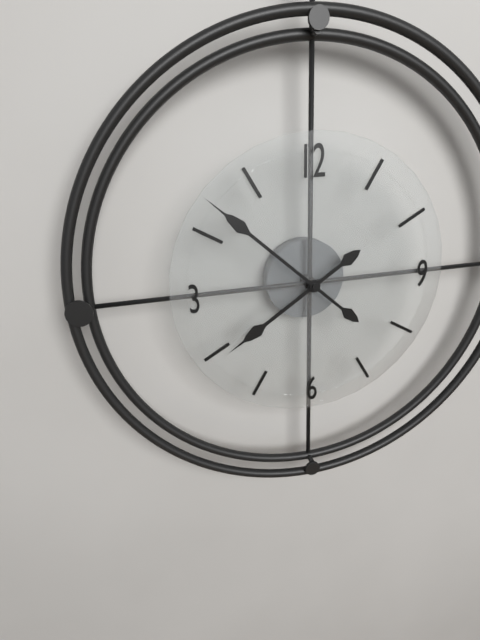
7:52
